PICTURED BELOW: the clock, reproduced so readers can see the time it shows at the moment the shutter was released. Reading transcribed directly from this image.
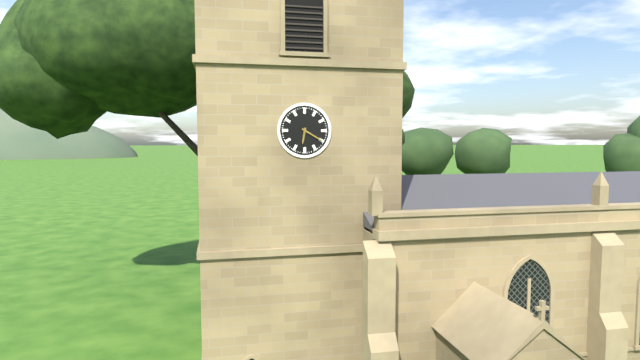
6:20
